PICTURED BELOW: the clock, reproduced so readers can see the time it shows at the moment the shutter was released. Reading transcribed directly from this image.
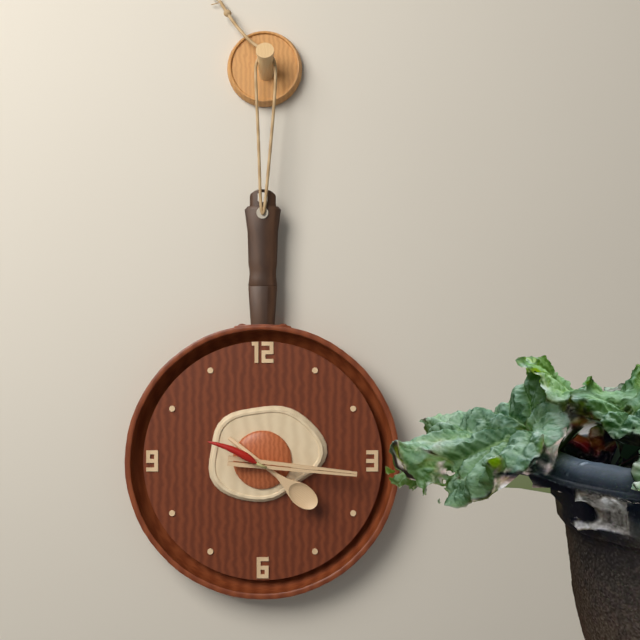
4:16:49
